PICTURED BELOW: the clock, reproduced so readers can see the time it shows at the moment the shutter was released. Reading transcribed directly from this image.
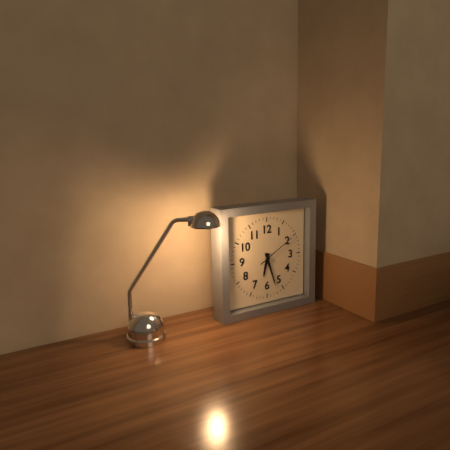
6:27
